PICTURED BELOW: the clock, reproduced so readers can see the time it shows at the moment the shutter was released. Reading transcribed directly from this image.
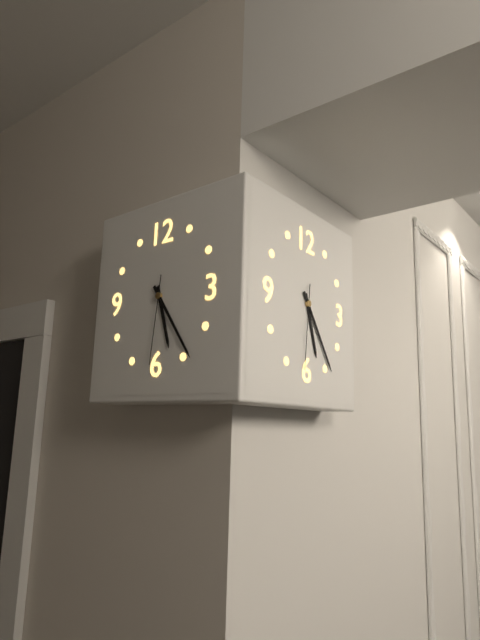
5:24:31
